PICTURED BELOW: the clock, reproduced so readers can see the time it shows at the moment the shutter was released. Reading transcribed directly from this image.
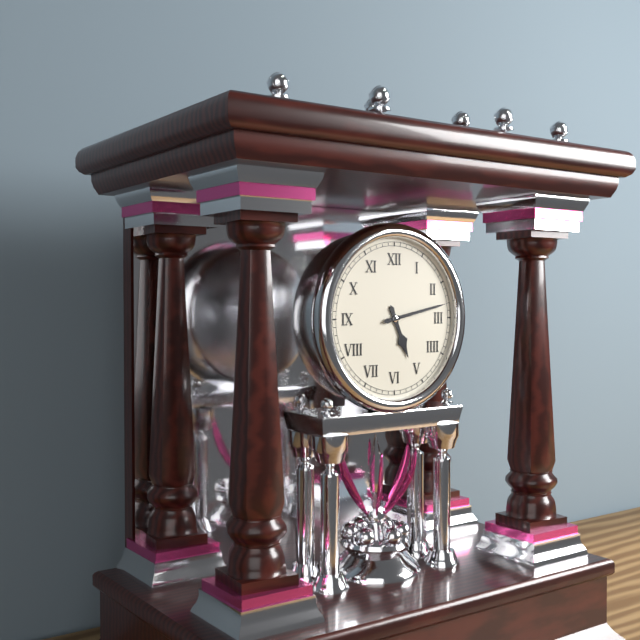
5:13
